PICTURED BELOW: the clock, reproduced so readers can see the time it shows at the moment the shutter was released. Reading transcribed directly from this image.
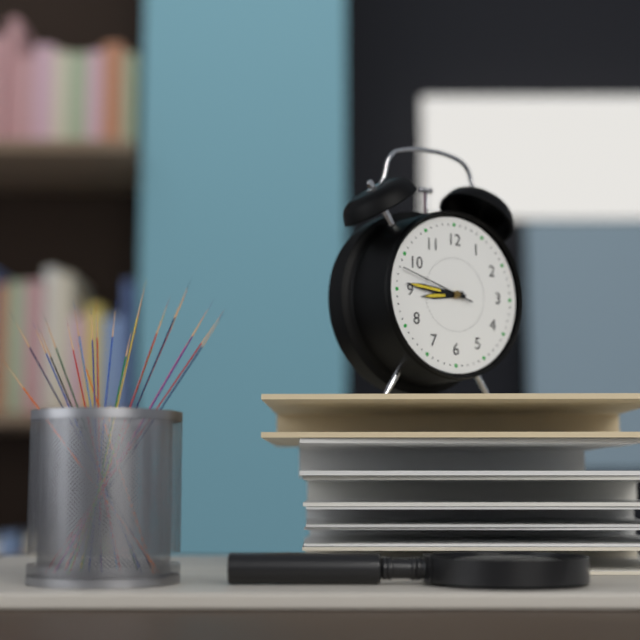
8:46:48
